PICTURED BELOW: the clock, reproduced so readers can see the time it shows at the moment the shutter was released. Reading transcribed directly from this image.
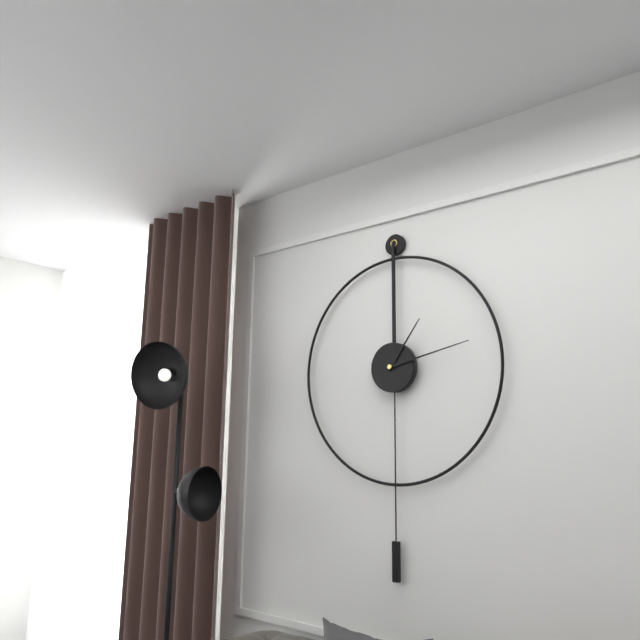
1:13
